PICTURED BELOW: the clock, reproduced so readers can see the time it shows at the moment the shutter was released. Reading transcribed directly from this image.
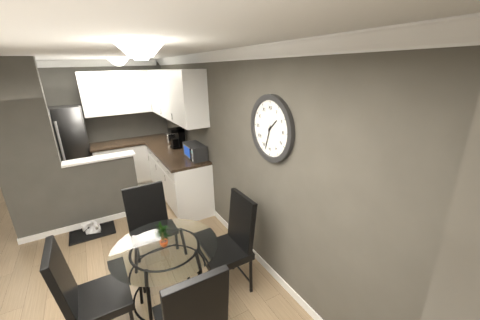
1:33
